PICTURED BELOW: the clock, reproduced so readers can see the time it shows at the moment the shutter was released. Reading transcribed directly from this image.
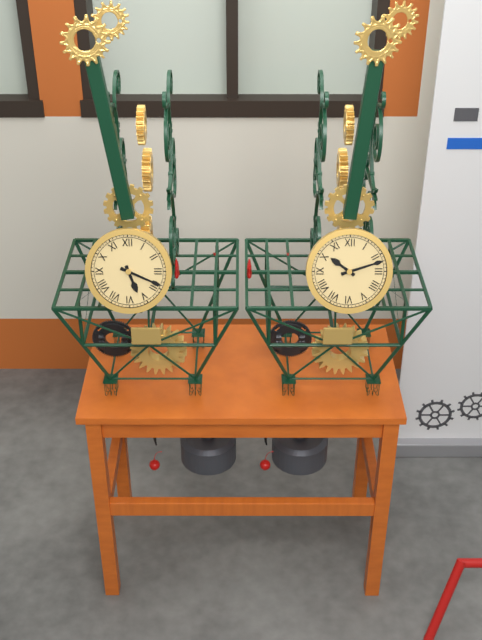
5:19
